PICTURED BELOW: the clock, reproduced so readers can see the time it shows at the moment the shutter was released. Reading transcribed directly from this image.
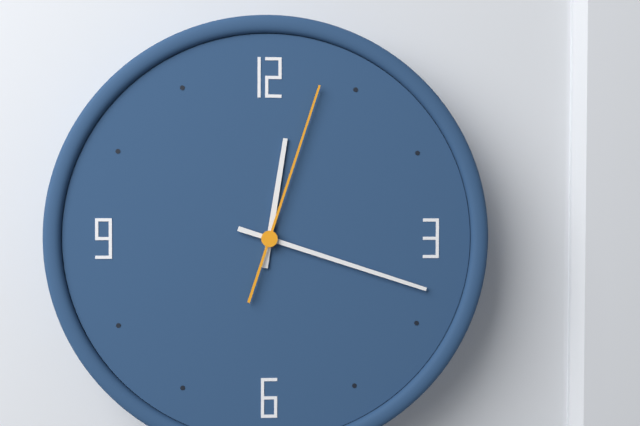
12:18:03
